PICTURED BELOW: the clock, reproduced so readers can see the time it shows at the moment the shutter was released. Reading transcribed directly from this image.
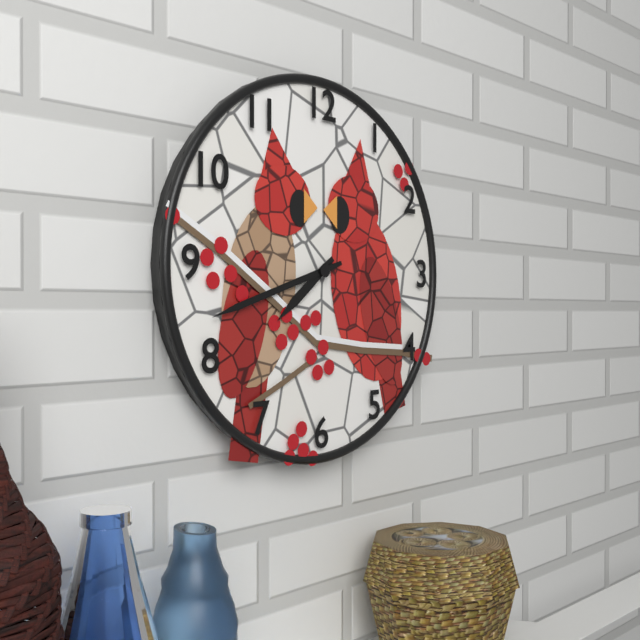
7:42
